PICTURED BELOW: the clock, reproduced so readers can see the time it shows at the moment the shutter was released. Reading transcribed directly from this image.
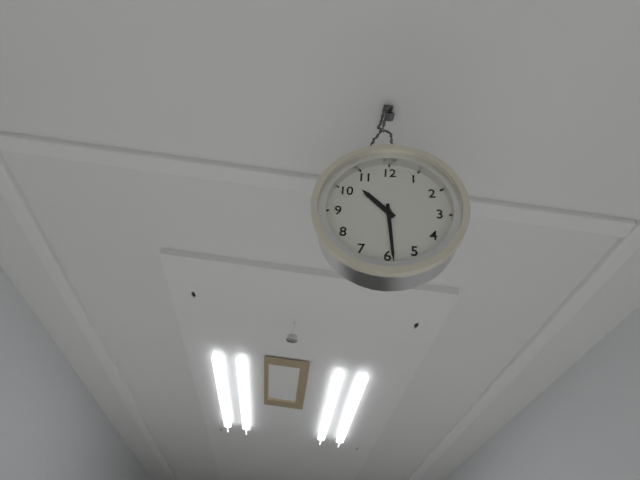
10:29
